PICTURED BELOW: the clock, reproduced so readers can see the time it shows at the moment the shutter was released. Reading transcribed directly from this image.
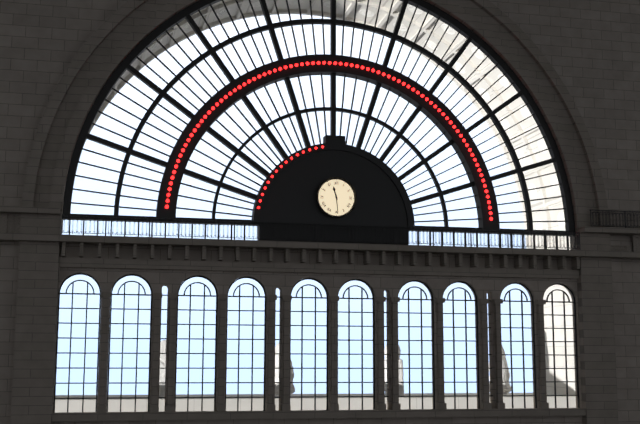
11:29
